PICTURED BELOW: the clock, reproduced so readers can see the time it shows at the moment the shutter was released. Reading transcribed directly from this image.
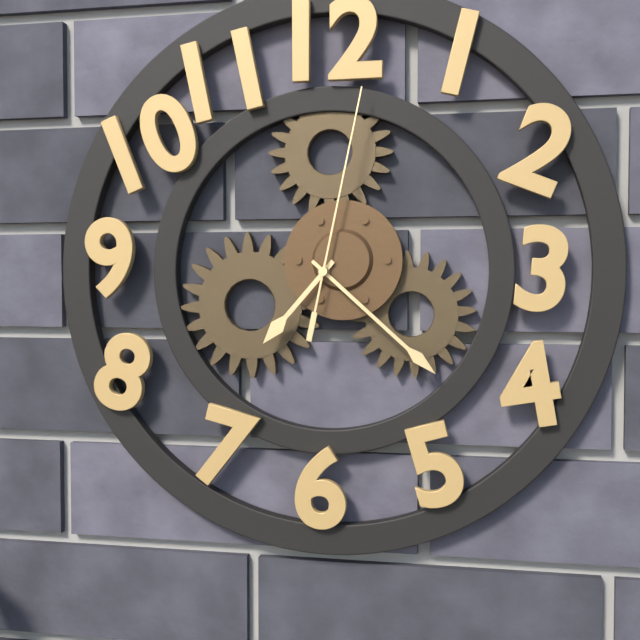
7:22:02
